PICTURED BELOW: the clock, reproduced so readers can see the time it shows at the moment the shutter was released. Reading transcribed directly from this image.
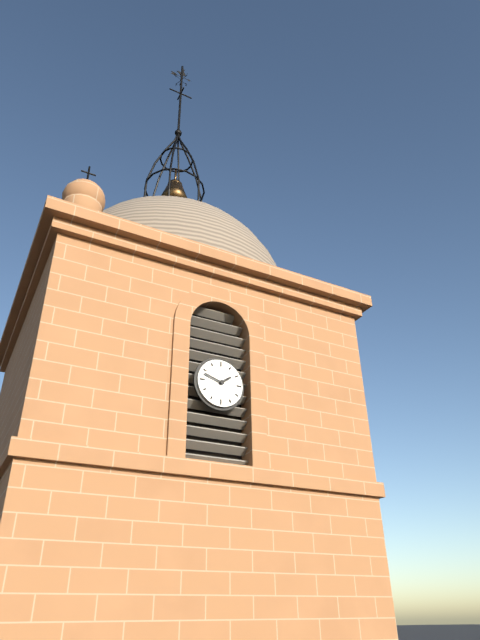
1:48
